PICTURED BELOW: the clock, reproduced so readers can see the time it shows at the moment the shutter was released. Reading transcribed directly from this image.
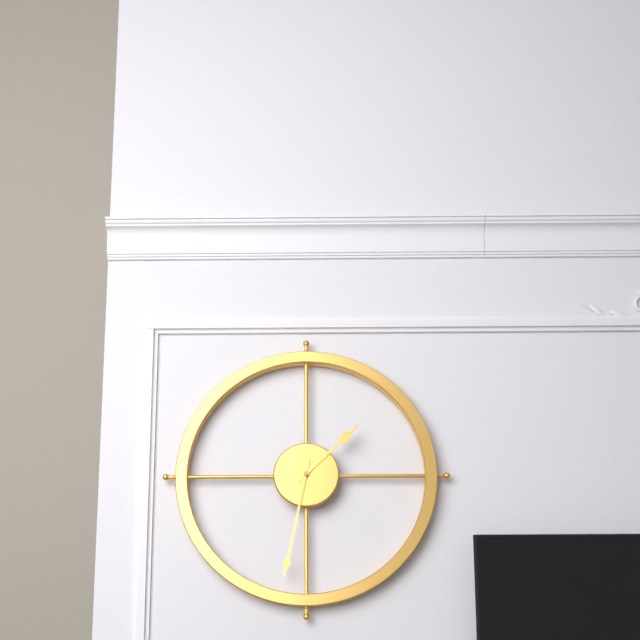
1:32
